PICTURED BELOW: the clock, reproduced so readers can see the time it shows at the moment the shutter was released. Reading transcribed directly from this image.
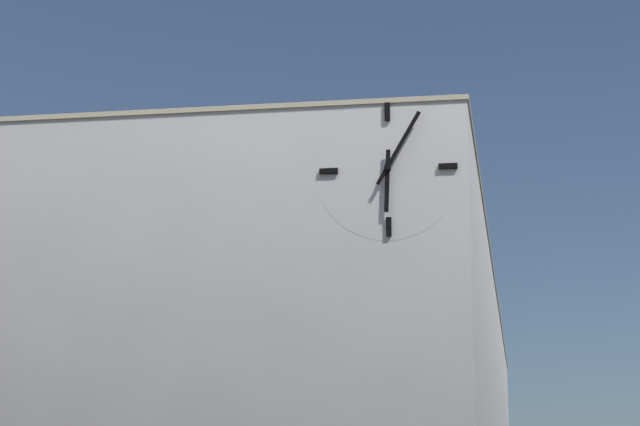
6:05
